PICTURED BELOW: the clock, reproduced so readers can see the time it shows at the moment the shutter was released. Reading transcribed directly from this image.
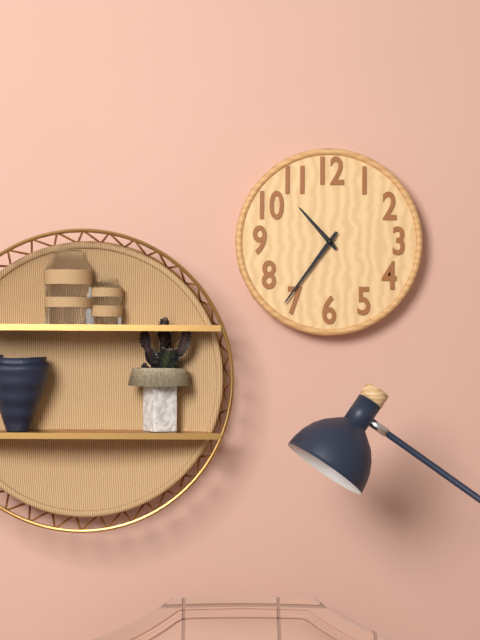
10:36
